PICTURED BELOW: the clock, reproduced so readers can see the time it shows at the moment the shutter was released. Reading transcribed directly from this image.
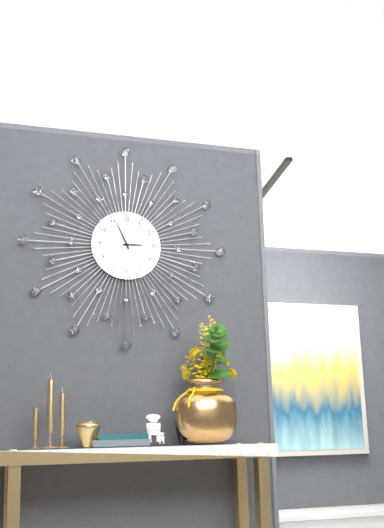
2:56
